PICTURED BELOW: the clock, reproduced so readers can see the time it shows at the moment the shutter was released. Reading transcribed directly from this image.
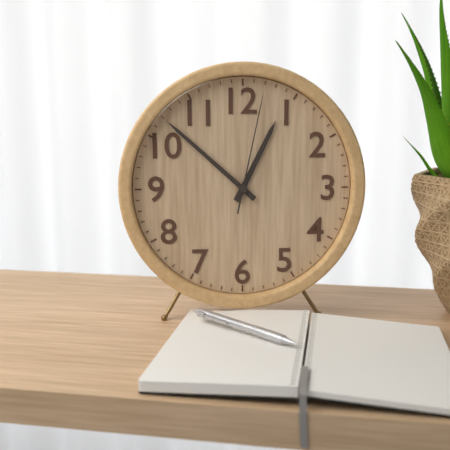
12:52:02
